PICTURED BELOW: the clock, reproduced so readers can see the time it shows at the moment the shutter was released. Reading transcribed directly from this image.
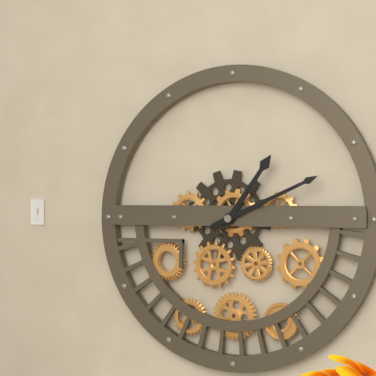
1:11
